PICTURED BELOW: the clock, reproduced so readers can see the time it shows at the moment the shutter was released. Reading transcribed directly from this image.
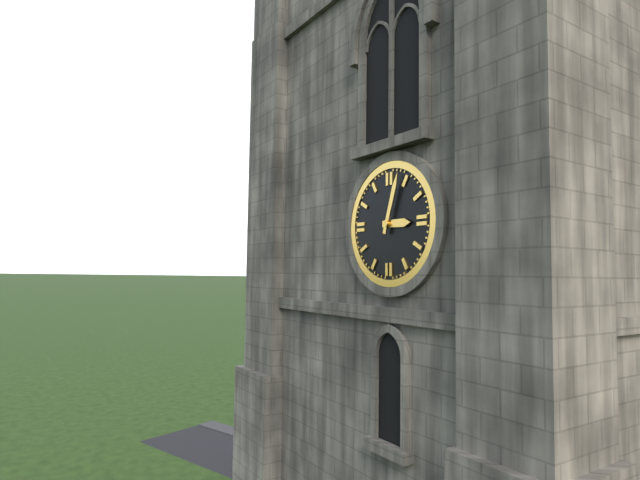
3:03
